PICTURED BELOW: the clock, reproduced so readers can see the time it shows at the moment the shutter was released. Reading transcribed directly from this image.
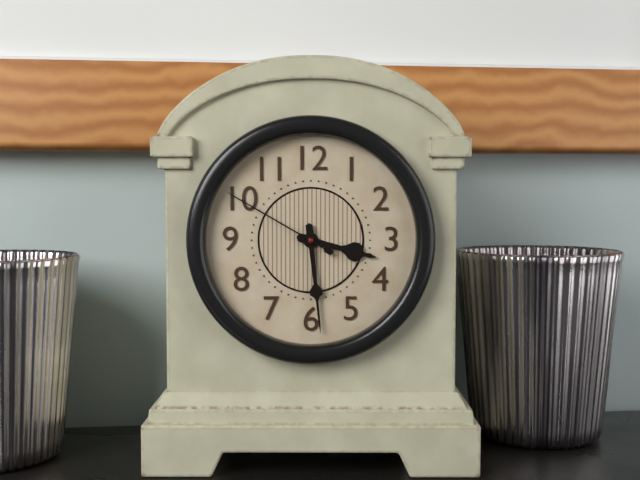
3:29:50
